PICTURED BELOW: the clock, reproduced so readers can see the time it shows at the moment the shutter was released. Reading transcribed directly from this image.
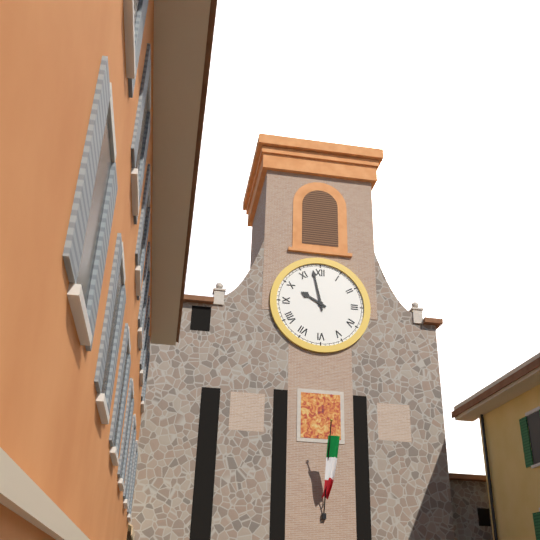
9:58
